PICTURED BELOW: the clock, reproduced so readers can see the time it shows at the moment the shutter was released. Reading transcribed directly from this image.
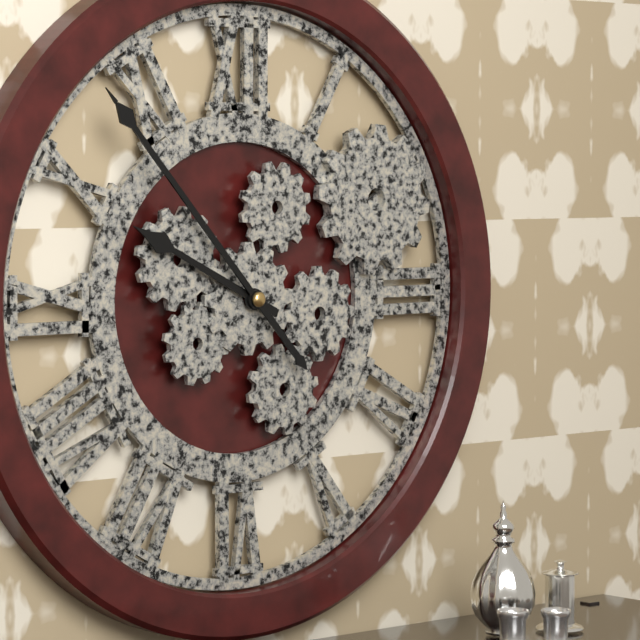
9:53
